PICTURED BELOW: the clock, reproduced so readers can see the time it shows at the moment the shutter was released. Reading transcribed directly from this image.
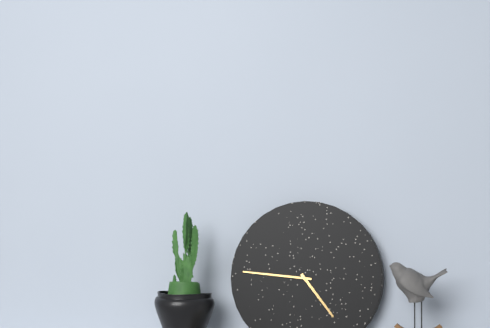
4:46
